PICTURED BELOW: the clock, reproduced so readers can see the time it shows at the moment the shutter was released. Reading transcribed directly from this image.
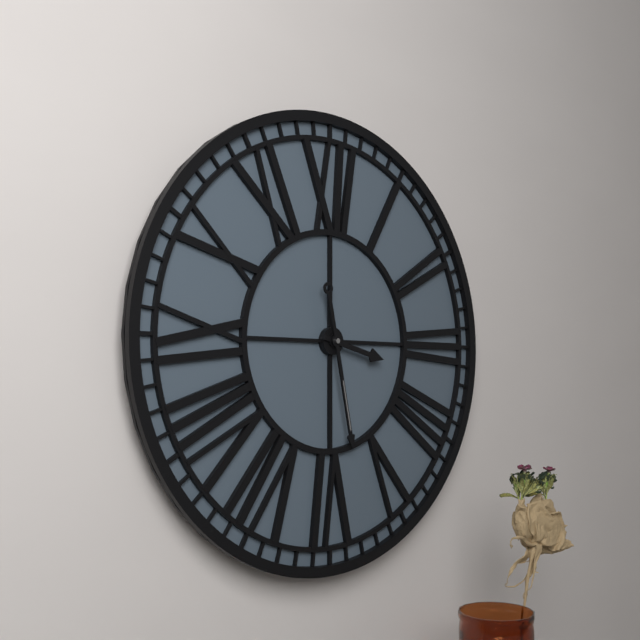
3:28
